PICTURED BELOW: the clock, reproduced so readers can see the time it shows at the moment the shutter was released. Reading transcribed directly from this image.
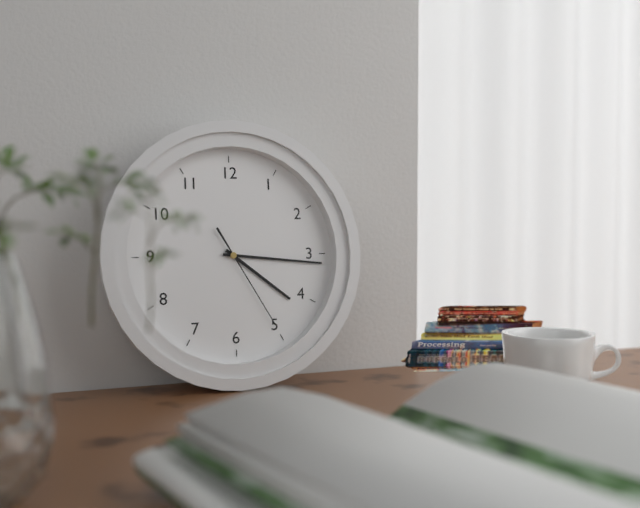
4:16:25
